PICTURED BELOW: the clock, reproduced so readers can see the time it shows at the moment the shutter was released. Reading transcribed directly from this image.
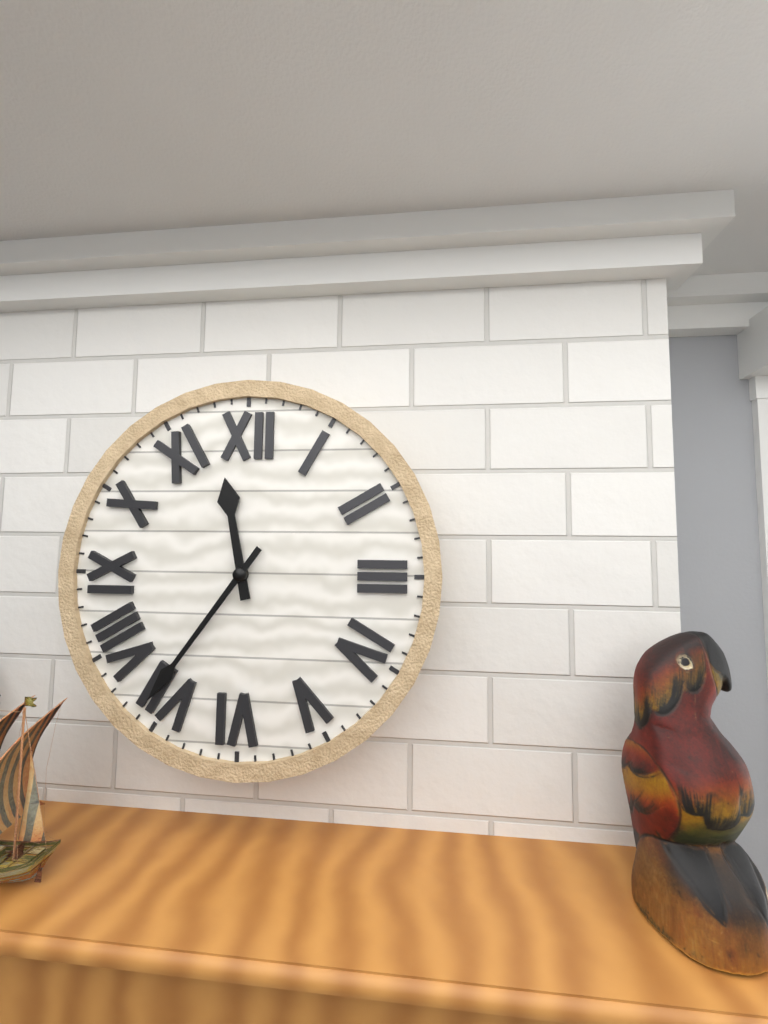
11:36
